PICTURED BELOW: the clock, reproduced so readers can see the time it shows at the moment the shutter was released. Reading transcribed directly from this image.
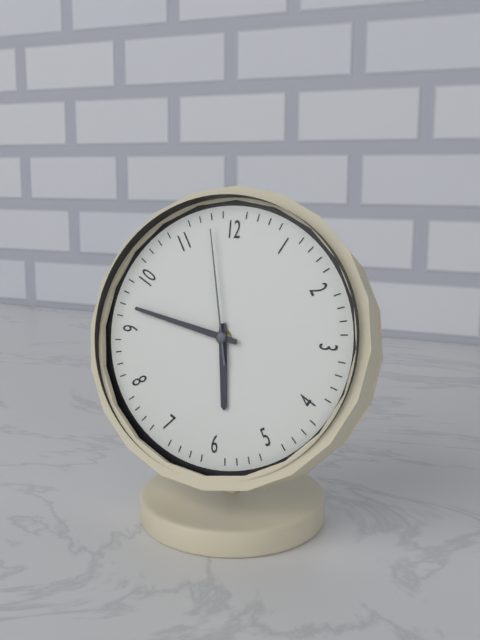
5:47:58
